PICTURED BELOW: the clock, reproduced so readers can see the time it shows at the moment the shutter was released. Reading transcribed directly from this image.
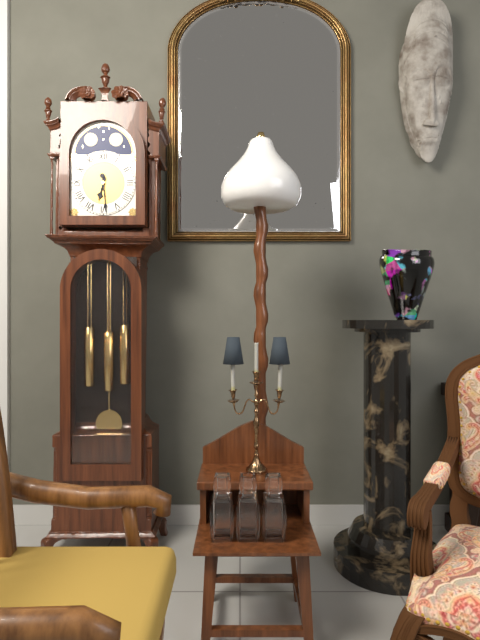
6:29
